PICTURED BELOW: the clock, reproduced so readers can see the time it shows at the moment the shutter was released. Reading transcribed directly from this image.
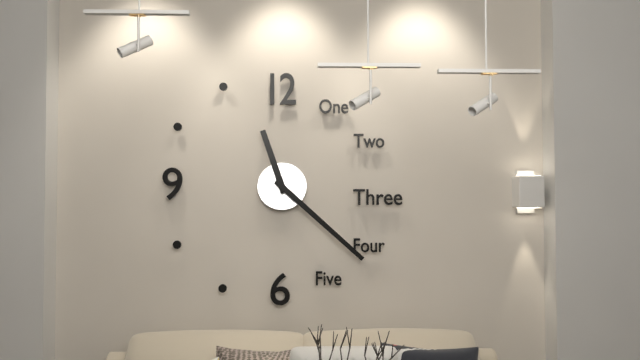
11:22
